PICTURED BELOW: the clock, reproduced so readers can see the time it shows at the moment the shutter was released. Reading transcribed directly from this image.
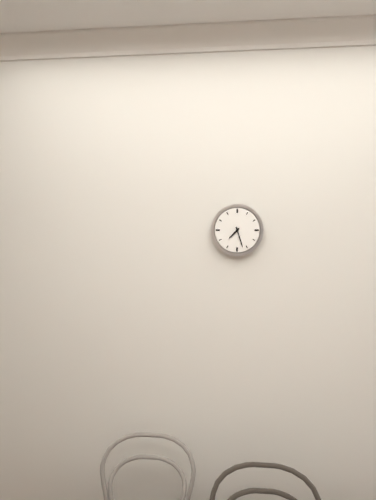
7:27
